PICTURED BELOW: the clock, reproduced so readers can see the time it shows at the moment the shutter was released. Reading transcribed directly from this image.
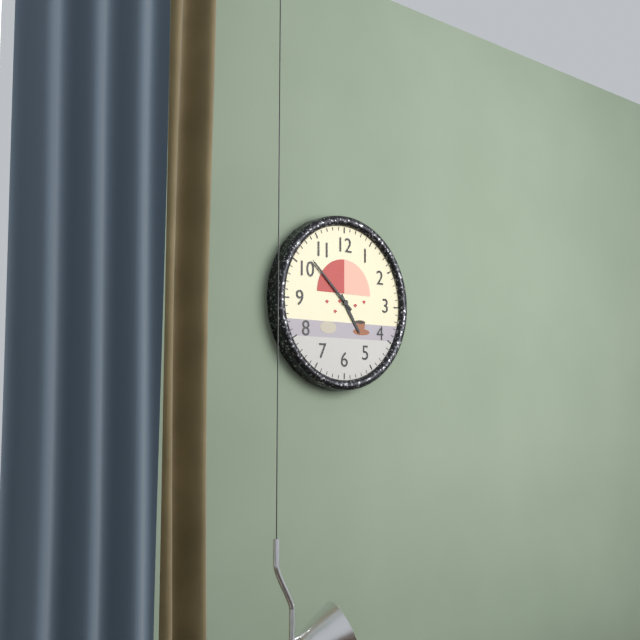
4:52
